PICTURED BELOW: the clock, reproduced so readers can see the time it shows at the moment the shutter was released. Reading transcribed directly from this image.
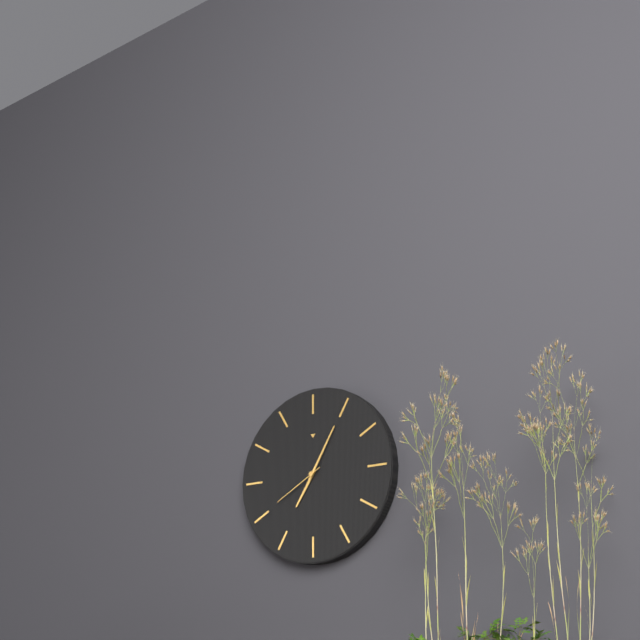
7:05:40
